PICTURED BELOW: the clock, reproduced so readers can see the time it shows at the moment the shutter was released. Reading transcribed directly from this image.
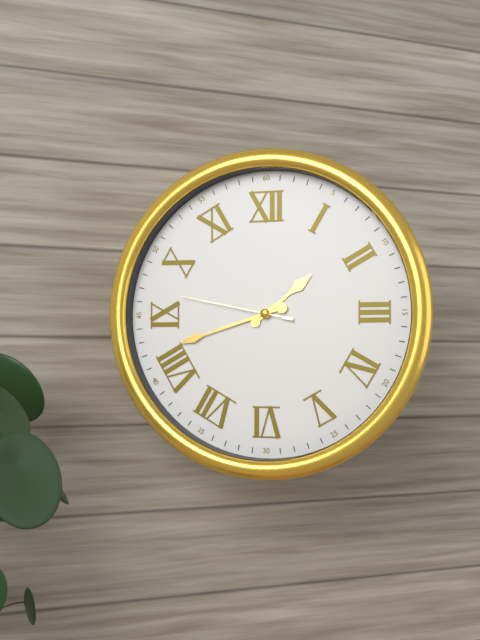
1:42:47
